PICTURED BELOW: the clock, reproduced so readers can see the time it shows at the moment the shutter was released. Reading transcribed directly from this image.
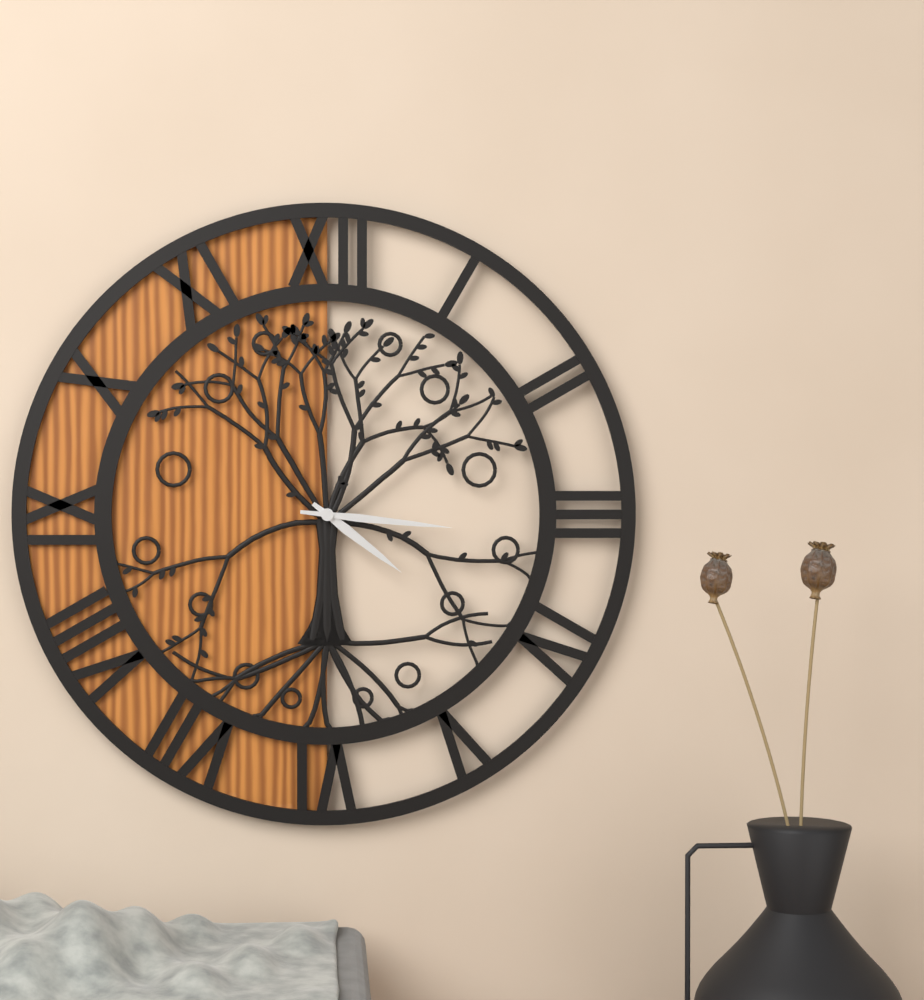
4:16
